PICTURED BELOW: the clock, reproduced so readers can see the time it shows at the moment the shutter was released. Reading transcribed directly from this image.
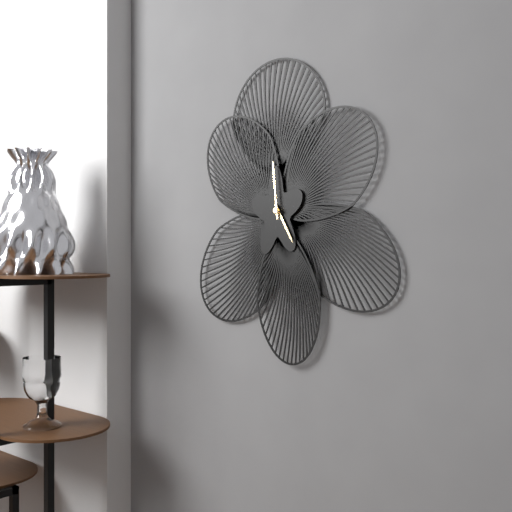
4:59
